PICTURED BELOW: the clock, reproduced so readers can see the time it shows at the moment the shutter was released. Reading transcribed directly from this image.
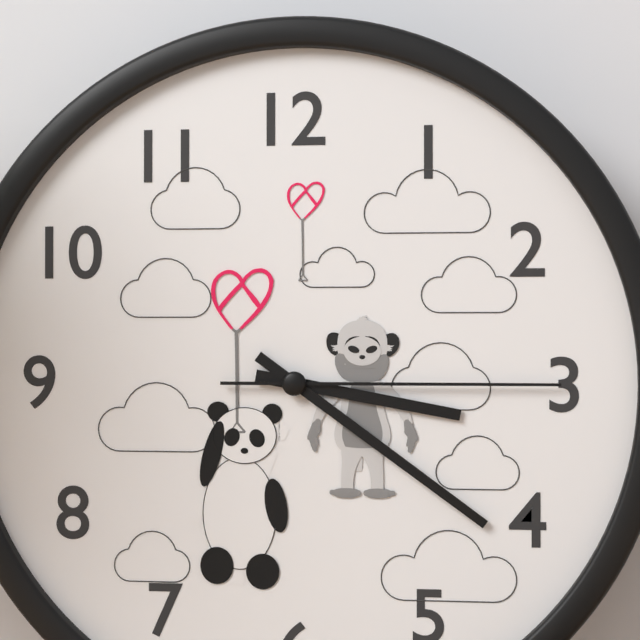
3:21:15
